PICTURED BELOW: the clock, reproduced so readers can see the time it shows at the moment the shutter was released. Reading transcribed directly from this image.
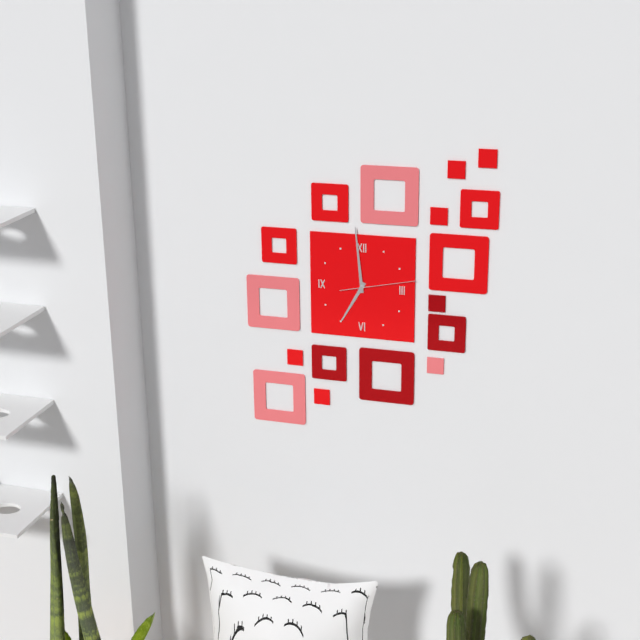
6:59:13
